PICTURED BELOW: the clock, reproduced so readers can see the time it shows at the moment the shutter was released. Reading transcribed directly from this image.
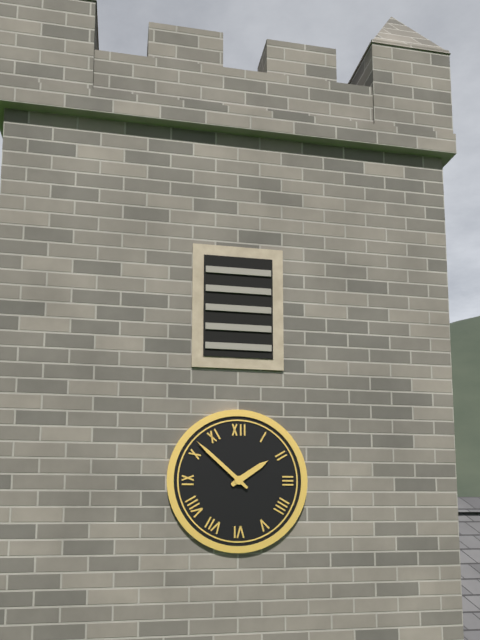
1:52
